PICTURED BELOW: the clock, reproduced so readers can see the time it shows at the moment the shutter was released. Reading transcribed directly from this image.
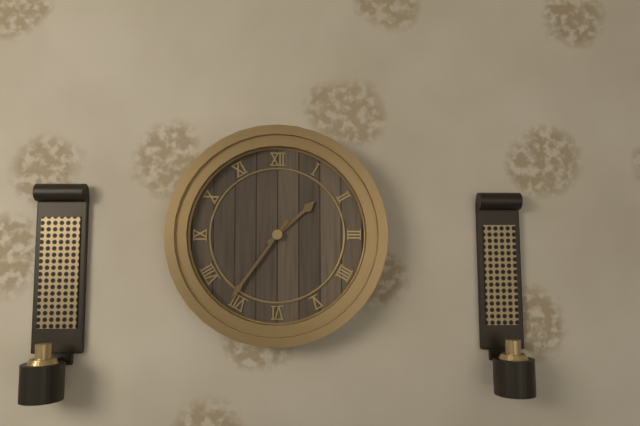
1:36
